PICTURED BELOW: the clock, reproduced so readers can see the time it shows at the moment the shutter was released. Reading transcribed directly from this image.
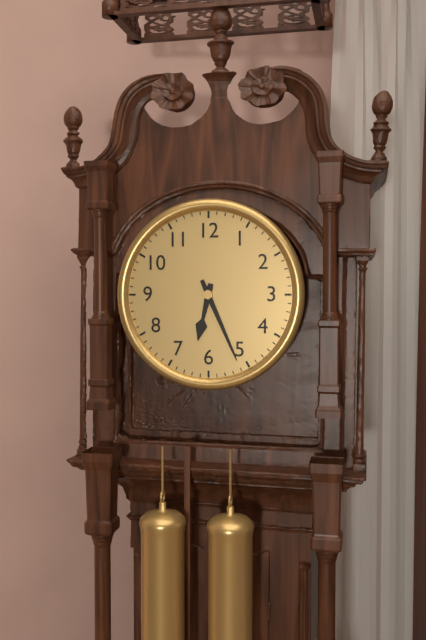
6:26
